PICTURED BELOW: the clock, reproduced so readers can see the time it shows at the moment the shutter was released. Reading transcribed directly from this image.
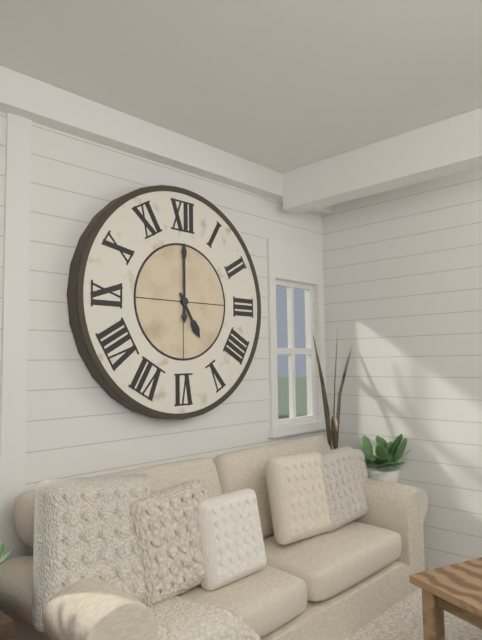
5:00
